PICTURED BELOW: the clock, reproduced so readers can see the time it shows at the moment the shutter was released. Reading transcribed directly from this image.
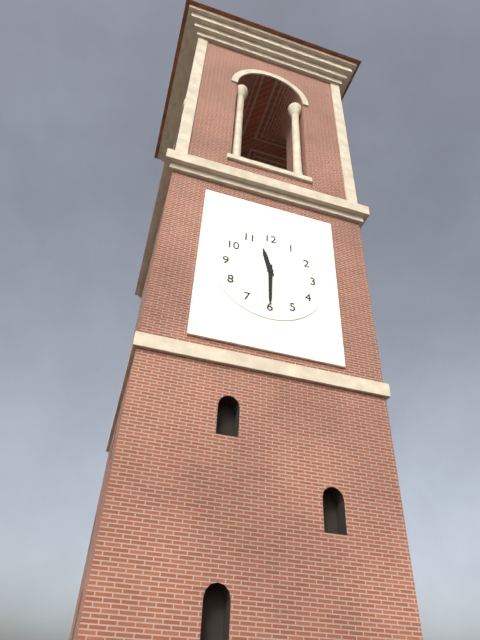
11:30
